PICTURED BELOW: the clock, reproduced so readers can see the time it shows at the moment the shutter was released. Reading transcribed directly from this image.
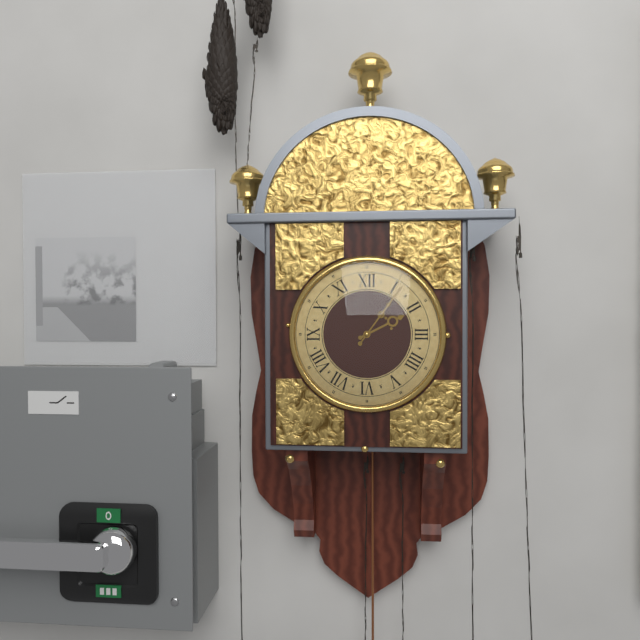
2:06
